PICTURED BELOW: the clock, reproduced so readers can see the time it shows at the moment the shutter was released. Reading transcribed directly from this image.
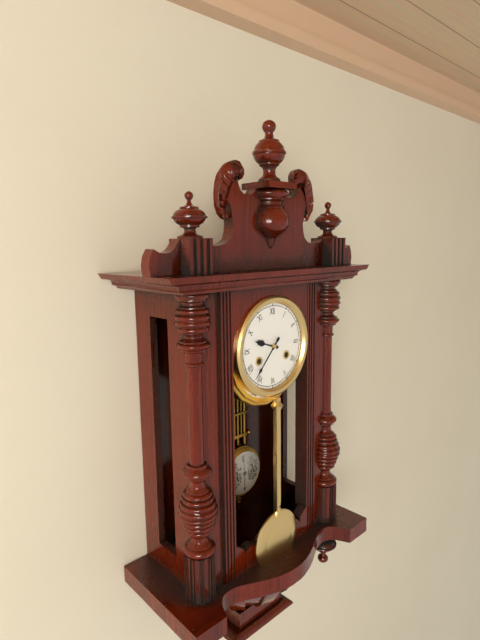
9:37
